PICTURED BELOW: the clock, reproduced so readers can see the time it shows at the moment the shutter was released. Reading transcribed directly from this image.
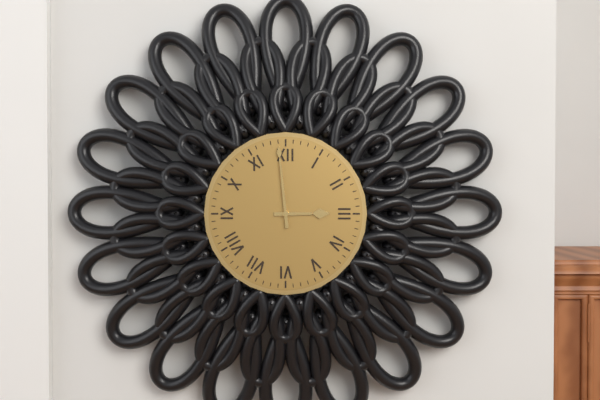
2:59
